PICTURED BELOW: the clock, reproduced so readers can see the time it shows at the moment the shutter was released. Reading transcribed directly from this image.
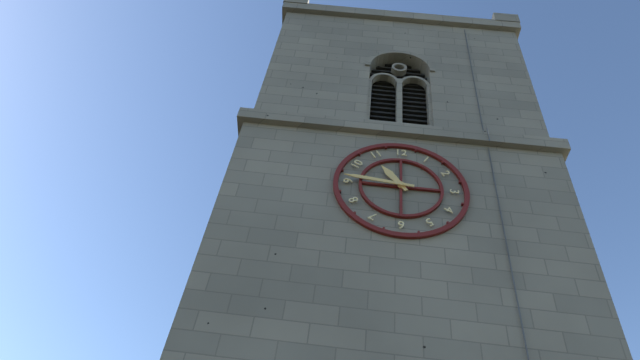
10:46
